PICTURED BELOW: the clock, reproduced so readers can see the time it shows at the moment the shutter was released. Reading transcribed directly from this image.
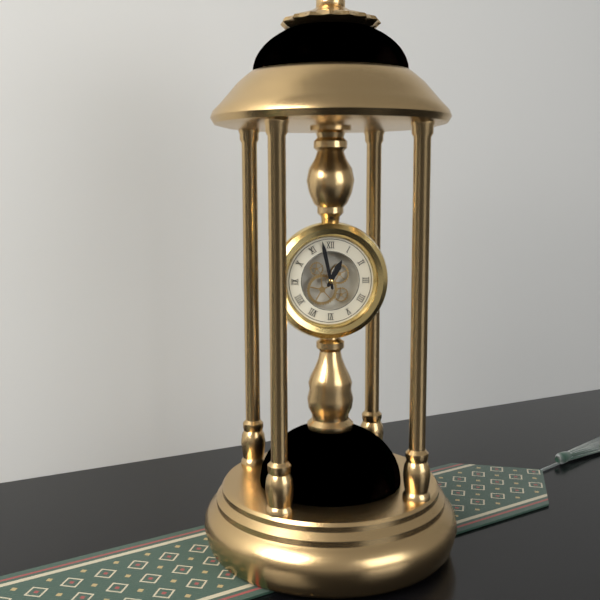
12:58
